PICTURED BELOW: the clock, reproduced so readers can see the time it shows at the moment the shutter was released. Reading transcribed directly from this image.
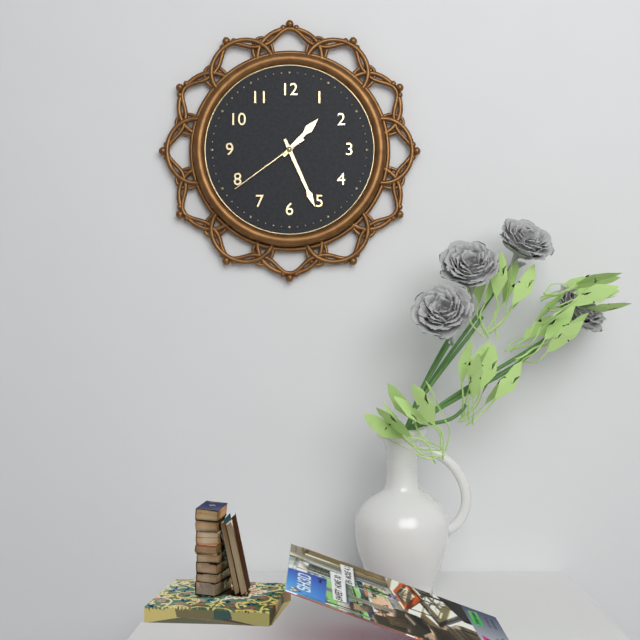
1:26:39
